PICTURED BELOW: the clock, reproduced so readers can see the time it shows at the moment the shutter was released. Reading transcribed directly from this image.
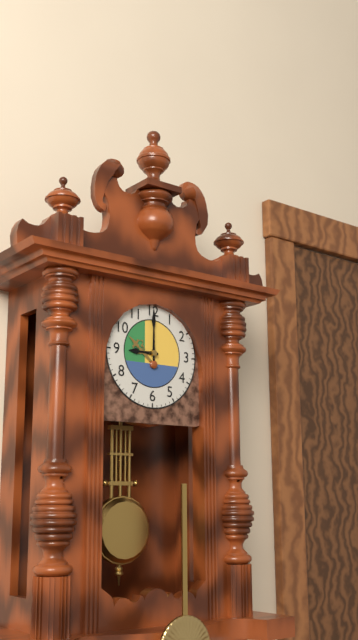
9:00
